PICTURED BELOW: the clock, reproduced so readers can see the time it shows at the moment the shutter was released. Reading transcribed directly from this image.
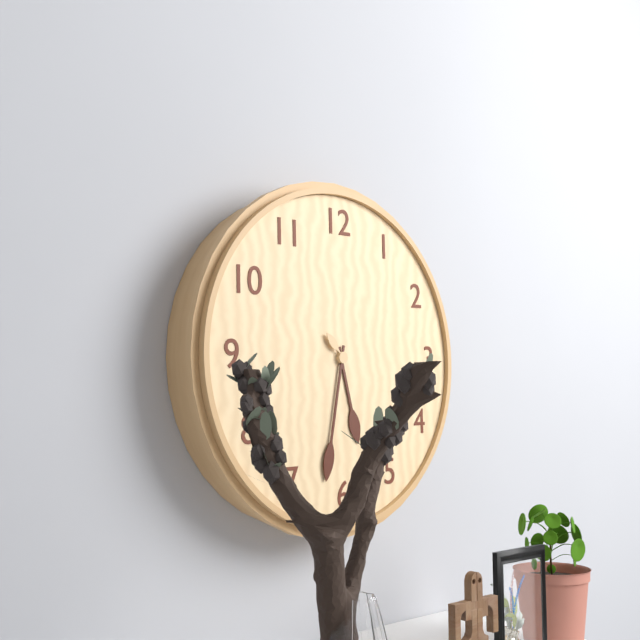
5:32
